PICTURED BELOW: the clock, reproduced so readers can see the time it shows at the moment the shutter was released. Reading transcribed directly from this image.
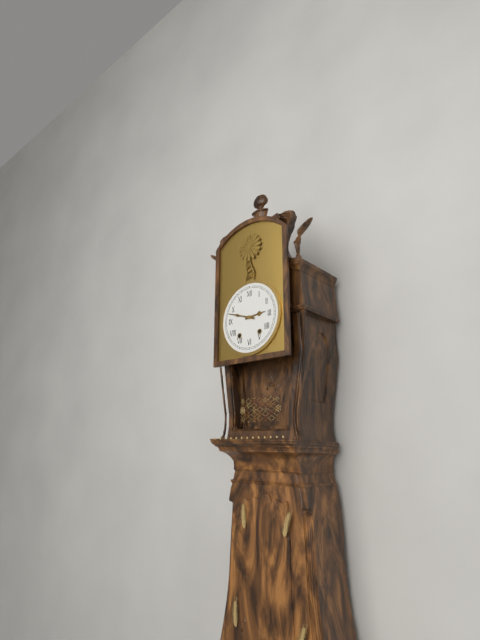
2:48
